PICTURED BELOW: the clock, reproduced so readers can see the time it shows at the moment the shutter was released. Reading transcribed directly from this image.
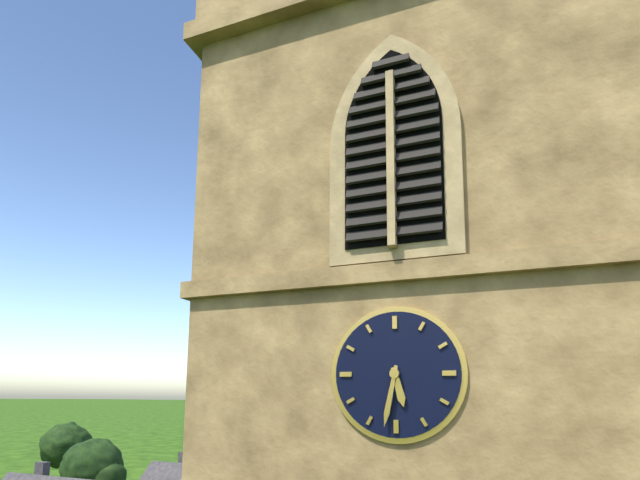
5:32
